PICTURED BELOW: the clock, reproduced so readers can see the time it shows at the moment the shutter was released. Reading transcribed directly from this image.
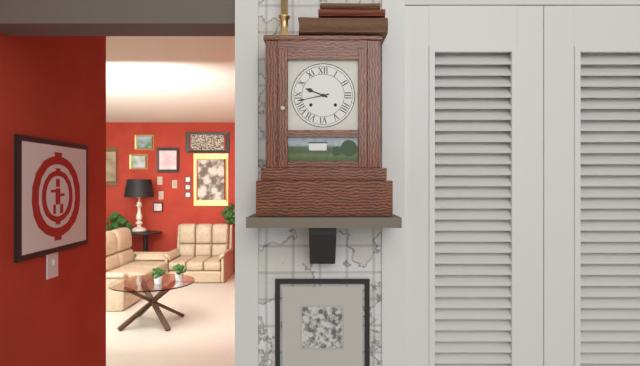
9:43
